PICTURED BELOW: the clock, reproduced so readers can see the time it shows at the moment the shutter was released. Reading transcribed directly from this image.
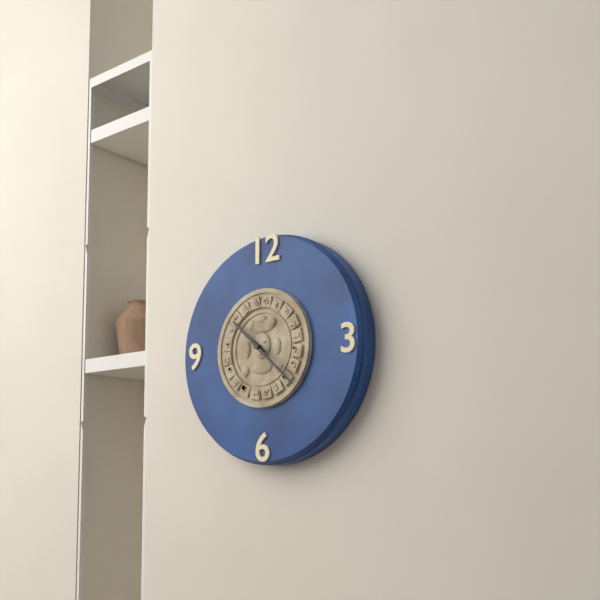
10:22
